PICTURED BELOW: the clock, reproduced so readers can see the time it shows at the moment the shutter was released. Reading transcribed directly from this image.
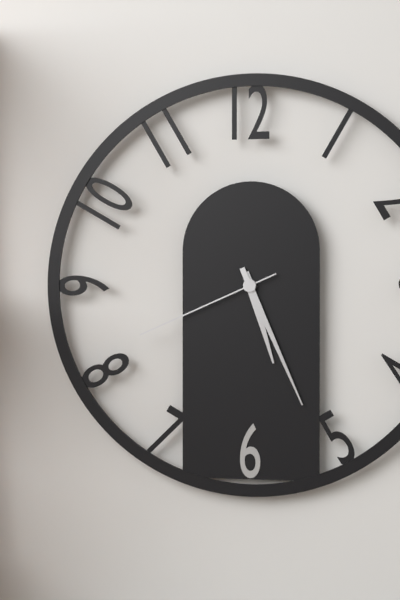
5:26:41
